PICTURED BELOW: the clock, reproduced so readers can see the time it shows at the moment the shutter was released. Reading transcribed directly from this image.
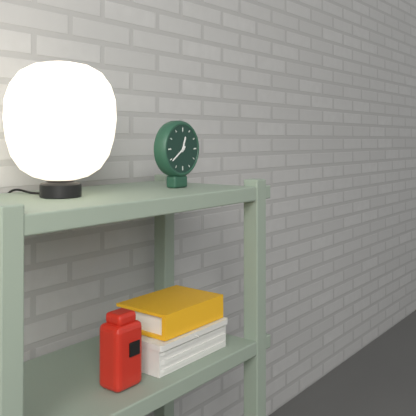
12:39
